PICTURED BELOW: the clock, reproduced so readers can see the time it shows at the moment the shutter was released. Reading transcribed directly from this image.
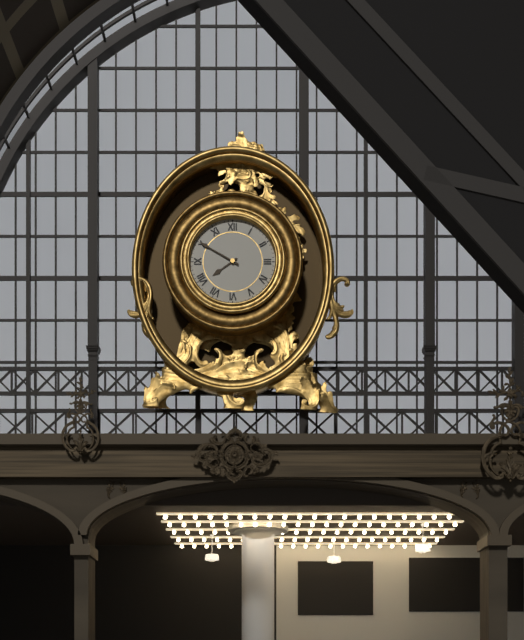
7:50
